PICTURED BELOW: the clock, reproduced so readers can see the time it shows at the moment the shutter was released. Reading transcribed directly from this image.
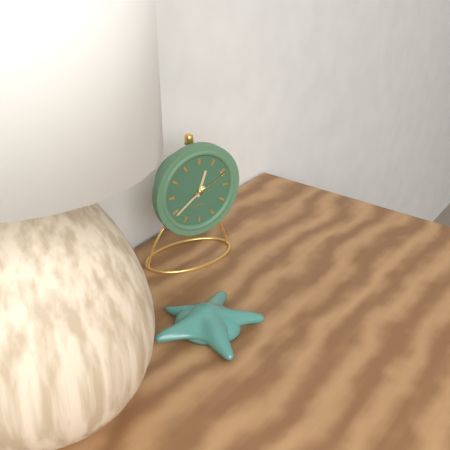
12:39
